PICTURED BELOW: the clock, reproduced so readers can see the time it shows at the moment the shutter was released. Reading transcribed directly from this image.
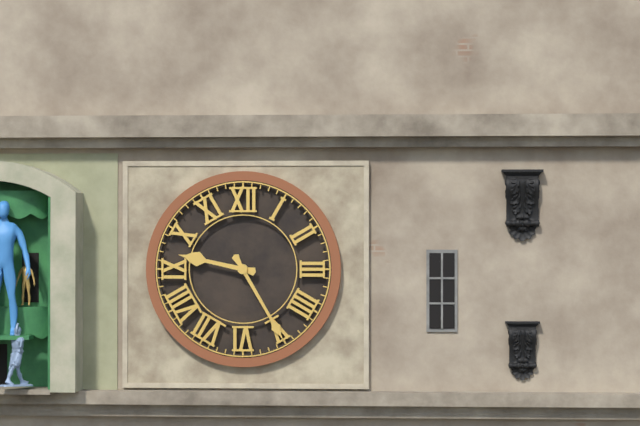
9:25
